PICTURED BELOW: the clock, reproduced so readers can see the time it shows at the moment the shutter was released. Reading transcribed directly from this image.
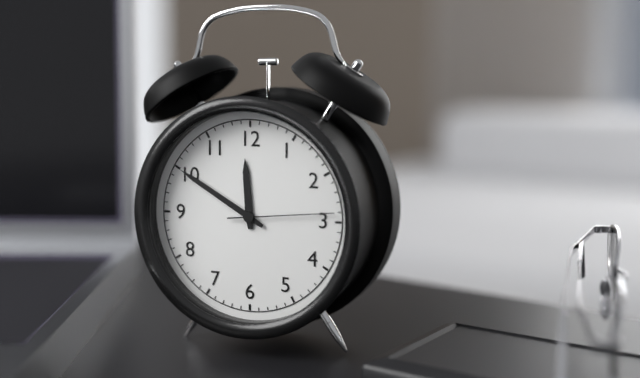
11:50:14
